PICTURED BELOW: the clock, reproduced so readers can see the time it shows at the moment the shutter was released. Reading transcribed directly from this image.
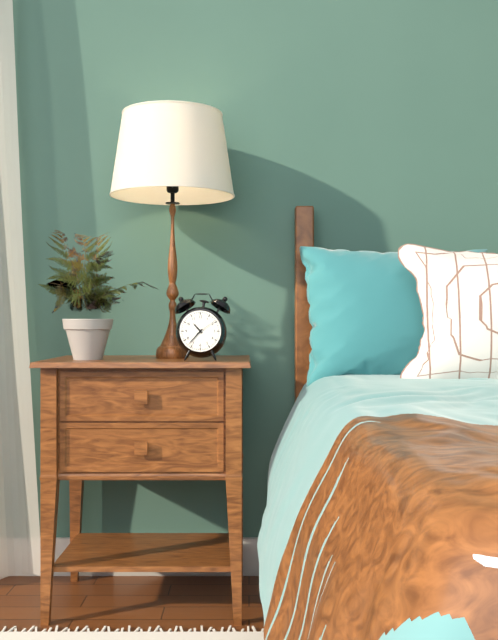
10:37
